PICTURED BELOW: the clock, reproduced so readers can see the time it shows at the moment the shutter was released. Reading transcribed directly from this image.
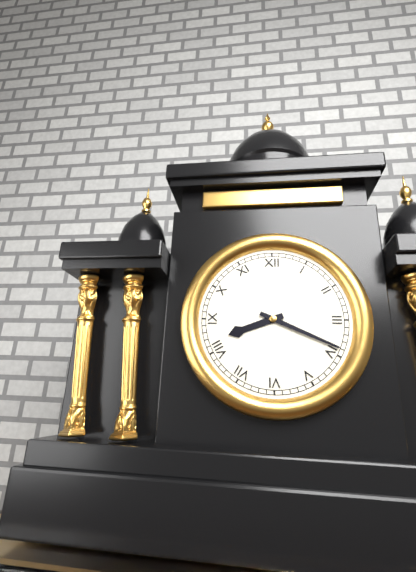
8:19
